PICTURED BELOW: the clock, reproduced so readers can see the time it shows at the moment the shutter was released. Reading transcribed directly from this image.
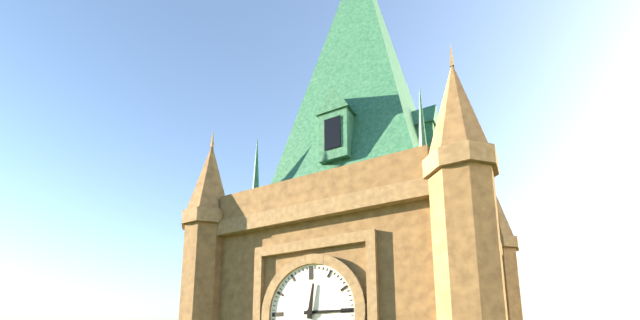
12:15
